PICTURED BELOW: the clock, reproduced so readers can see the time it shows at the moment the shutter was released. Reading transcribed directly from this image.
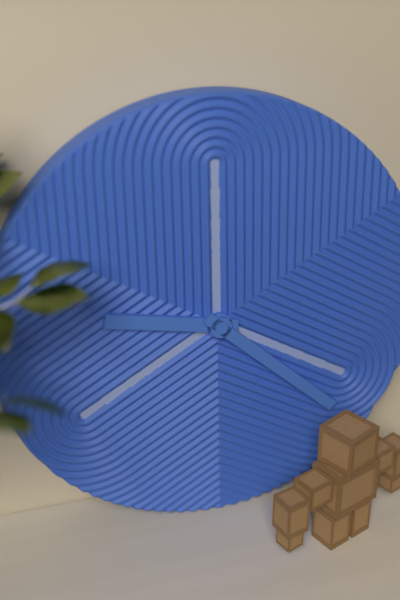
9:22
